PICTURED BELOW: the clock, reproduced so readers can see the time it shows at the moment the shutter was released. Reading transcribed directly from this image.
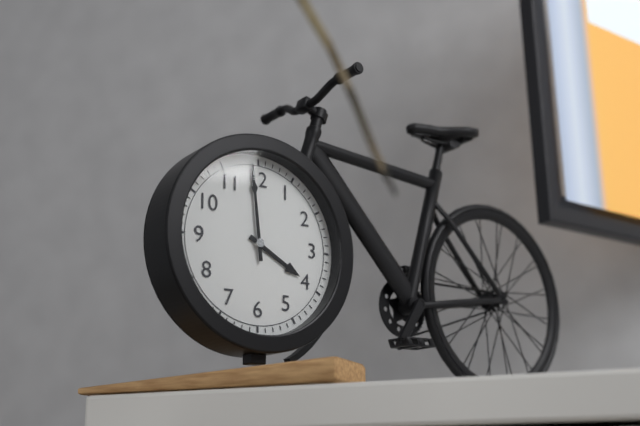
3:59
